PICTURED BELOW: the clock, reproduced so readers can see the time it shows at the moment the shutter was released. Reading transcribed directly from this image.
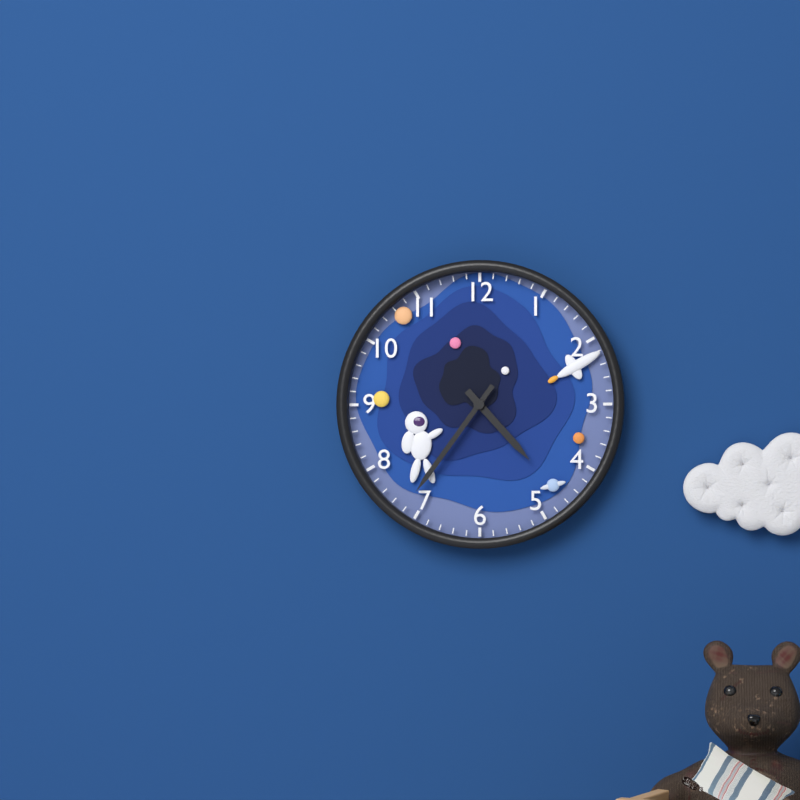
4:36
